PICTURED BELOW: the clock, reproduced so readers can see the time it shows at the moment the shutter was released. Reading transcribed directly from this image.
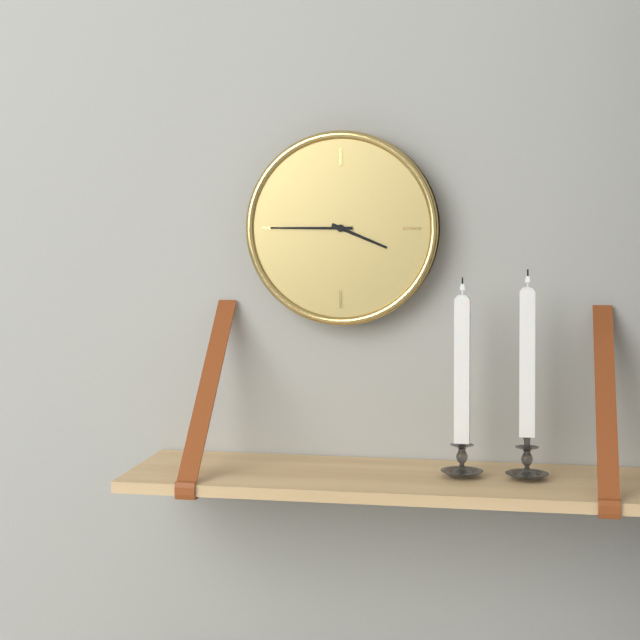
3:45
